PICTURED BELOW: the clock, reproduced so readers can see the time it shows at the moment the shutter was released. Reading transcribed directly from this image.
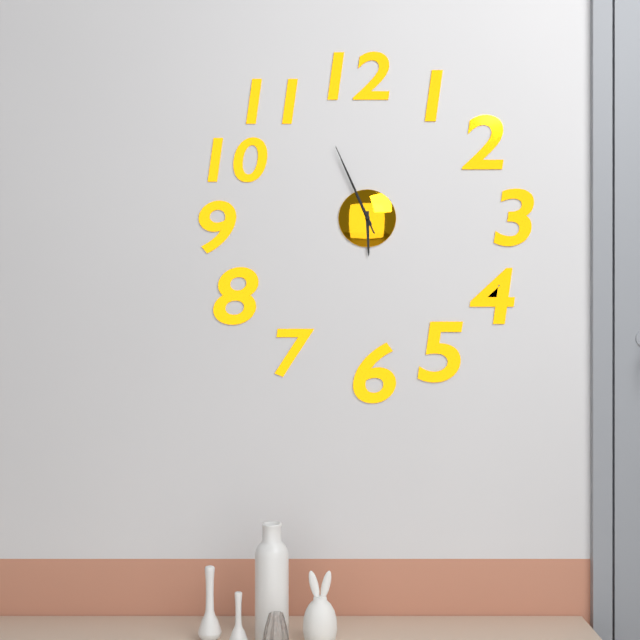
5:56:56
